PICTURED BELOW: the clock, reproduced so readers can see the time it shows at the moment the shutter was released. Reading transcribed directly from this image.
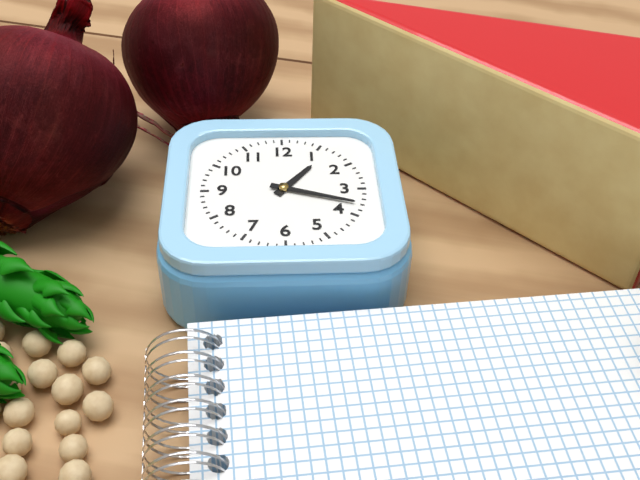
1:18
